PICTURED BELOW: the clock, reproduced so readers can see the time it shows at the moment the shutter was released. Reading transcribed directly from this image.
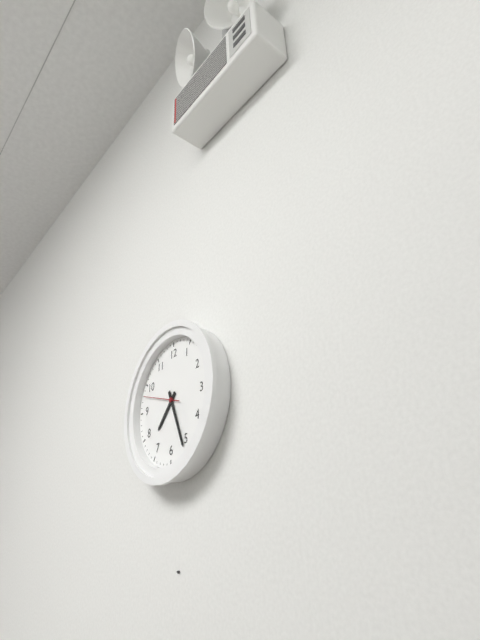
7:26
